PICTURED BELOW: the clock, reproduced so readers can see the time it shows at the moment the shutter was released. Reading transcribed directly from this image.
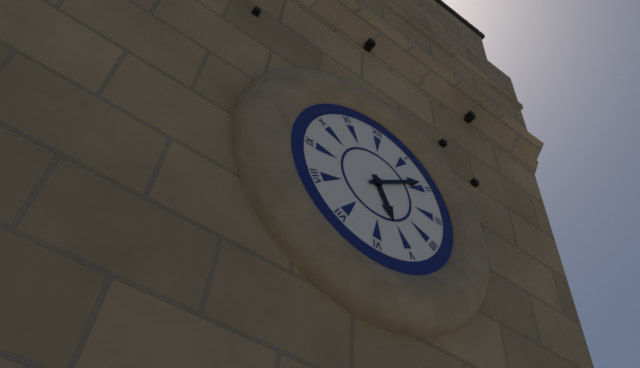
5:09
